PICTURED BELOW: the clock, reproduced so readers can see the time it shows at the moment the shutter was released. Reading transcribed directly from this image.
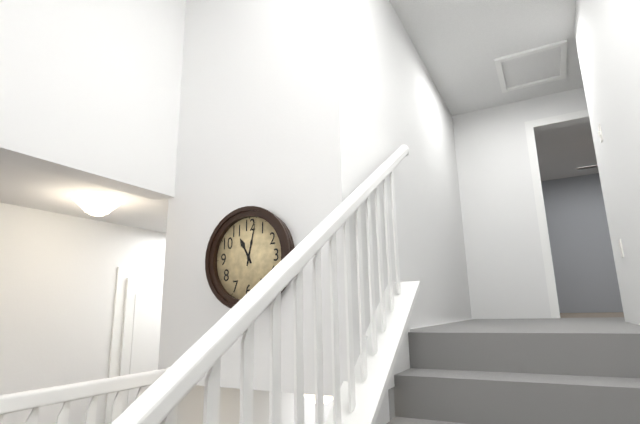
11:02
